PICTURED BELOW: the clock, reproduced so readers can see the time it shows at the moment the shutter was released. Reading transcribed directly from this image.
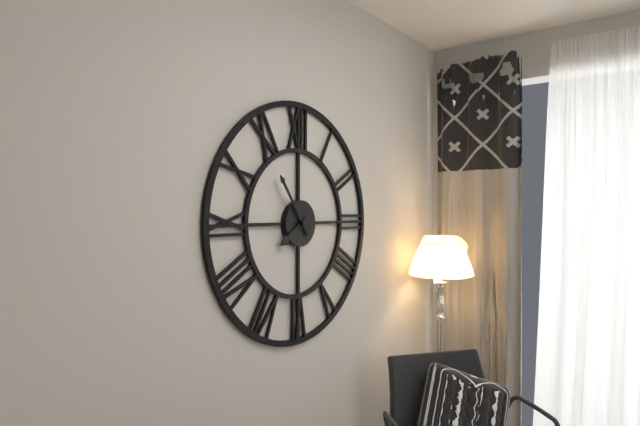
7:54
